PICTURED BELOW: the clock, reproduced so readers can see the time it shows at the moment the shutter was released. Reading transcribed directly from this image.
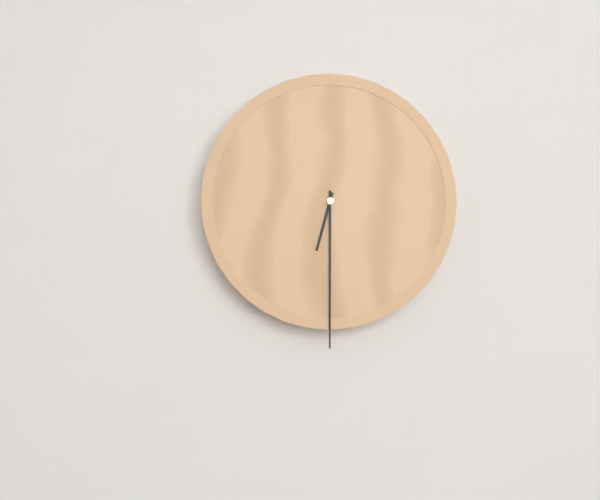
6:30
